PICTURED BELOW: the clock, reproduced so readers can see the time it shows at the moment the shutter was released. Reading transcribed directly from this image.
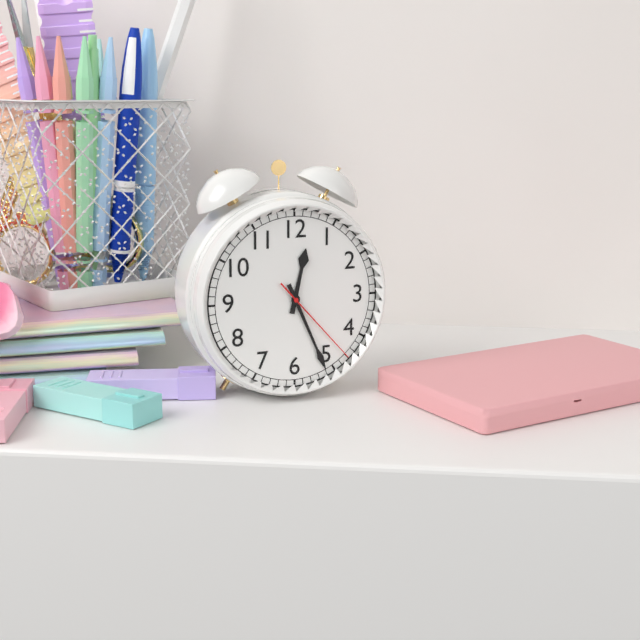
12:26:23
